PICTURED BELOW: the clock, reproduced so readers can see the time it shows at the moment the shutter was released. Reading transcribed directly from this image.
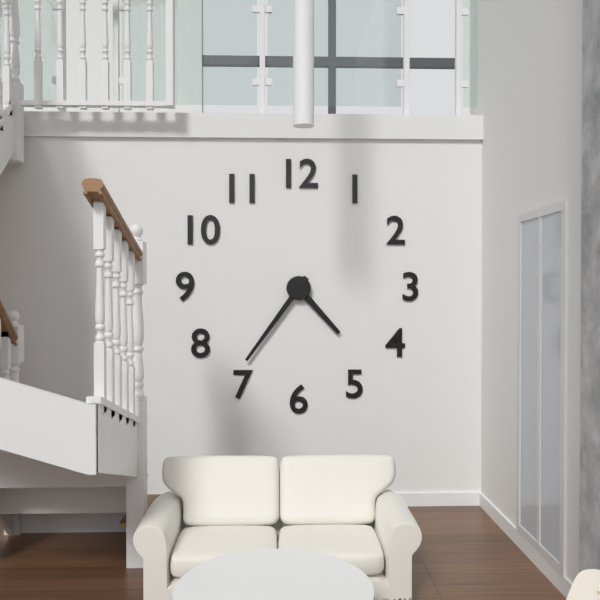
4:36
